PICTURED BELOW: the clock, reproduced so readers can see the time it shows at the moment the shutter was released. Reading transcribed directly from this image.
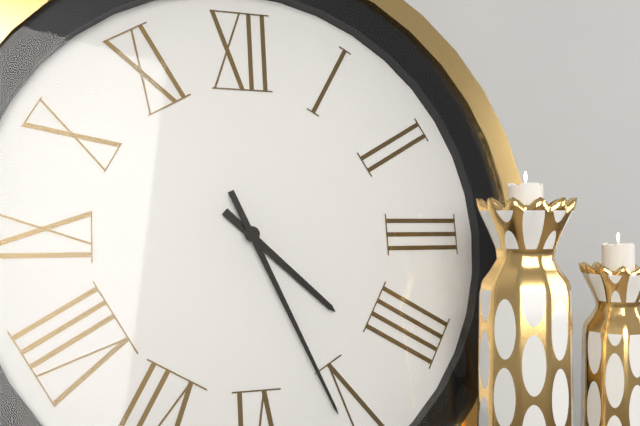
4:26
